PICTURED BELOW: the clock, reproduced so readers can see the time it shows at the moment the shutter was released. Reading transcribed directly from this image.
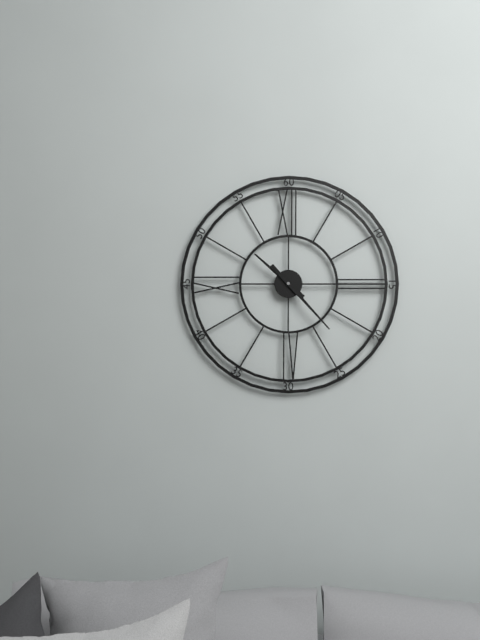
10:23
